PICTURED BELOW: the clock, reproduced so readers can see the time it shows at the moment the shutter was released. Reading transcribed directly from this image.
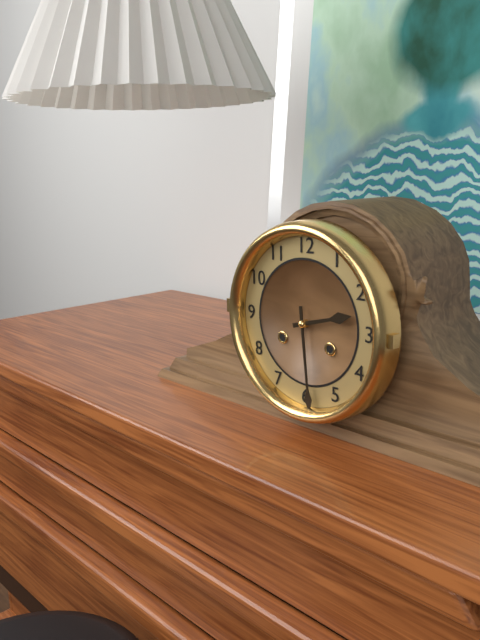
2:29
